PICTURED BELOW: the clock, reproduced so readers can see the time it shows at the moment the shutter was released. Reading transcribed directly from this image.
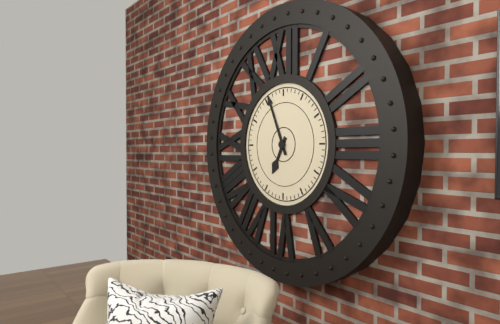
6:56
